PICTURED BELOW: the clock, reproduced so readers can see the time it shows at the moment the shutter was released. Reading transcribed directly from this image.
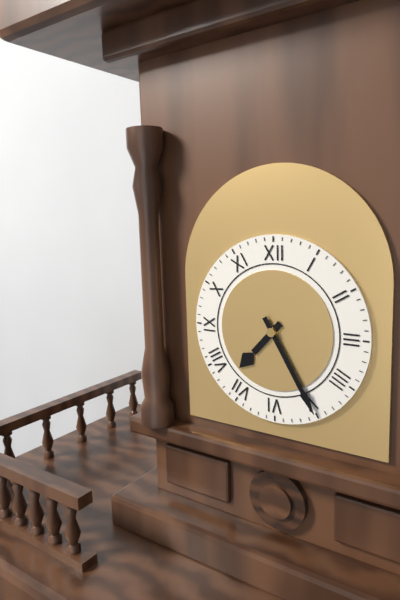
7:25
